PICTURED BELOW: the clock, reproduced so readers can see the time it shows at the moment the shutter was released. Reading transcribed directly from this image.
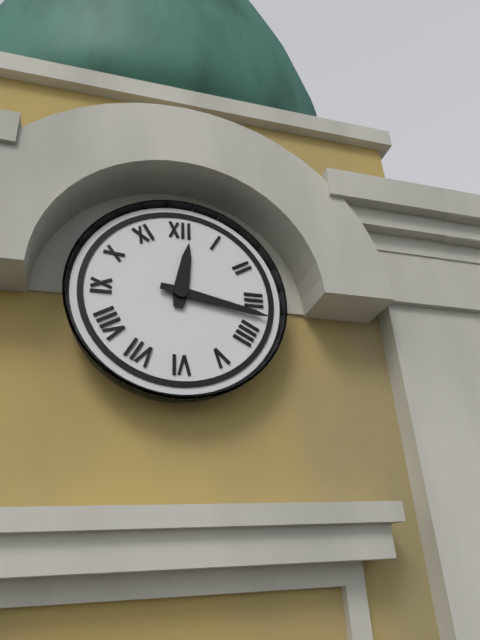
12:17
